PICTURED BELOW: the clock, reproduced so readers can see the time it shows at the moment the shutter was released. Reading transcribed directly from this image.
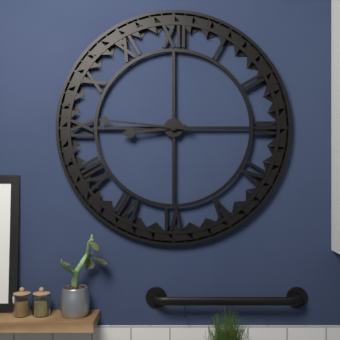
8:46
